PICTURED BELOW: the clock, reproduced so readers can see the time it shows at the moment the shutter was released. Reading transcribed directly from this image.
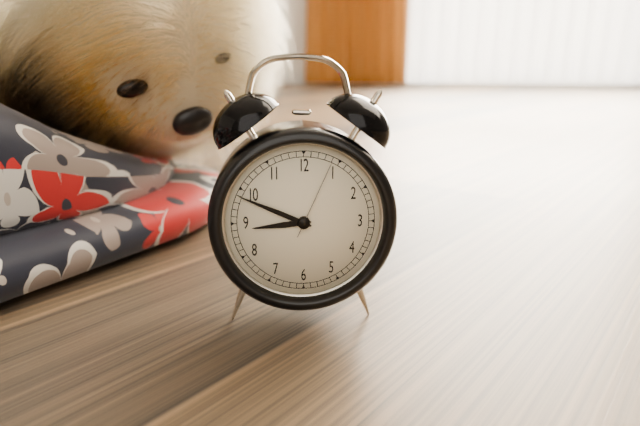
8:49:04
